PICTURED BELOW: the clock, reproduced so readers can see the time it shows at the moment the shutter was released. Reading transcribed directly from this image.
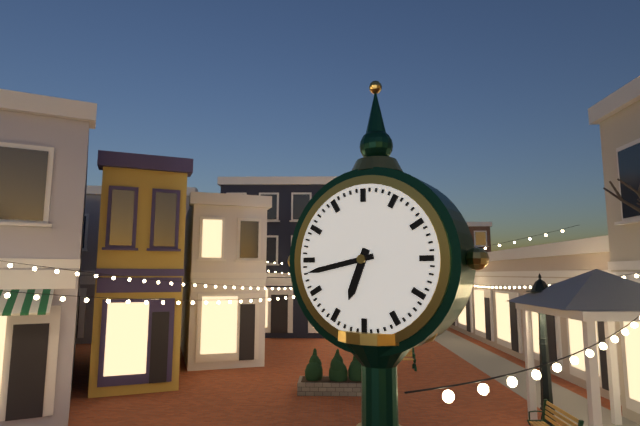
6:43
